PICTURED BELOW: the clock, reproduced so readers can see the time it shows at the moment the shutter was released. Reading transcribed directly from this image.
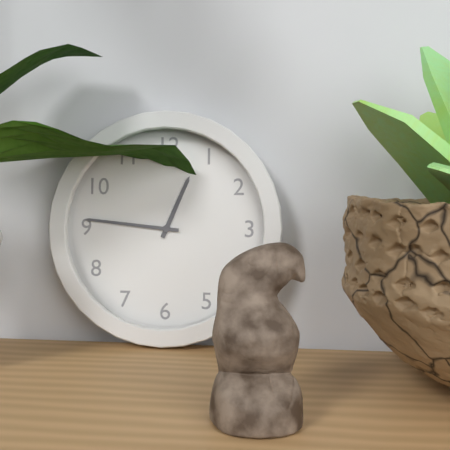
12:46
